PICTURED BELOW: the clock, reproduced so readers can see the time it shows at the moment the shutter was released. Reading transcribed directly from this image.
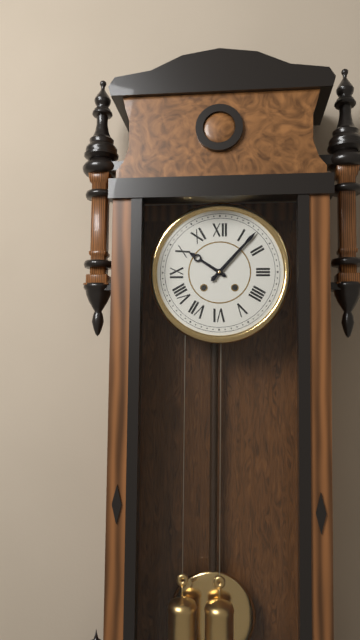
10:07
